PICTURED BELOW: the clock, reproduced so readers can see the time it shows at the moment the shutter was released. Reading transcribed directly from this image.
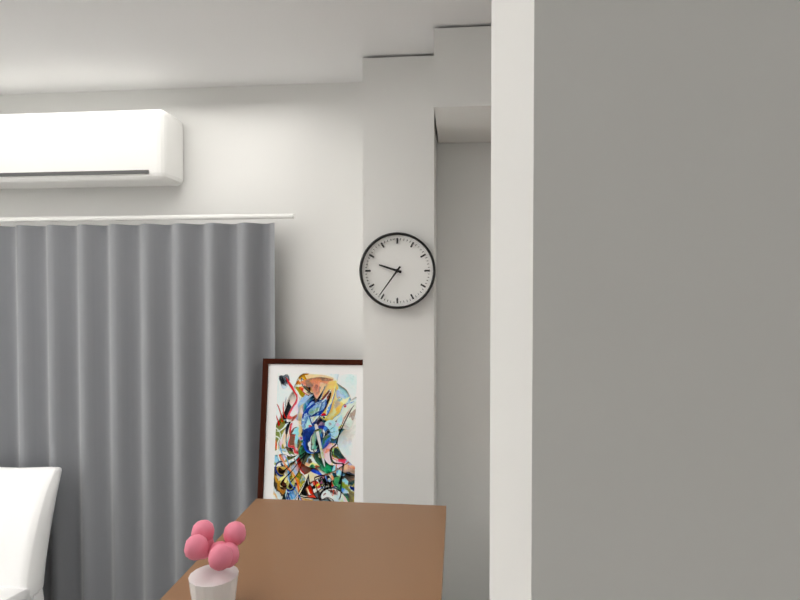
9:36
